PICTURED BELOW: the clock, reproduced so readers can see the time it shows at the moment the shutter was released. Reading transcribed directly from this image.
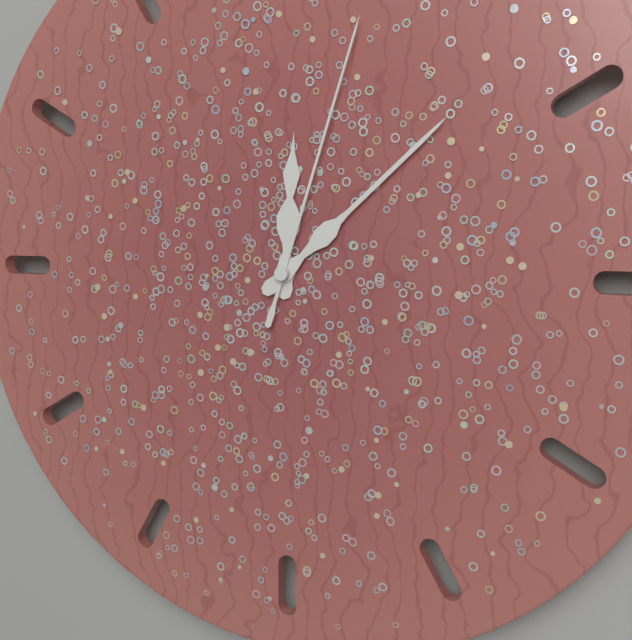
12:08:03
